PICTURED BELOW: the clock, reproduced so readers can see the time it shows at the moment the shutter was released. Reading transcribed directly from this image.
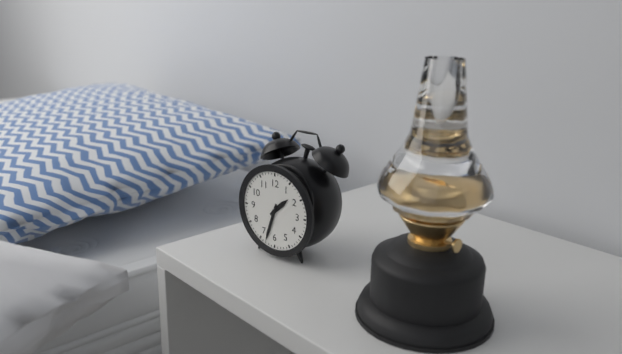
1:33
